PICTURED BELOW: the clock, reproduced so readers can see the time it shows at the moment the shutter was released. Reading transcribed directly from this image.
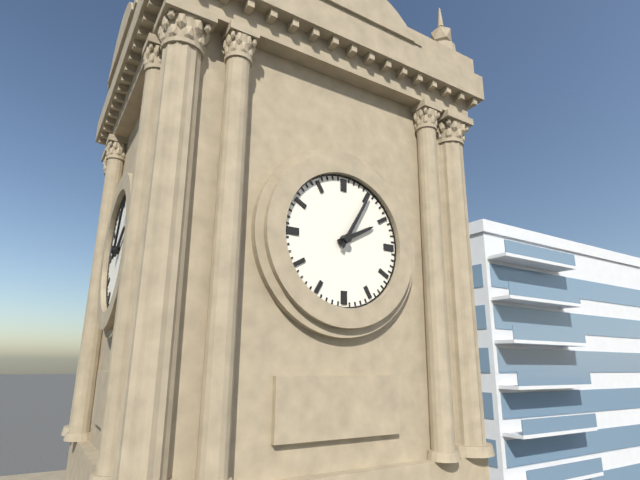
2:05
